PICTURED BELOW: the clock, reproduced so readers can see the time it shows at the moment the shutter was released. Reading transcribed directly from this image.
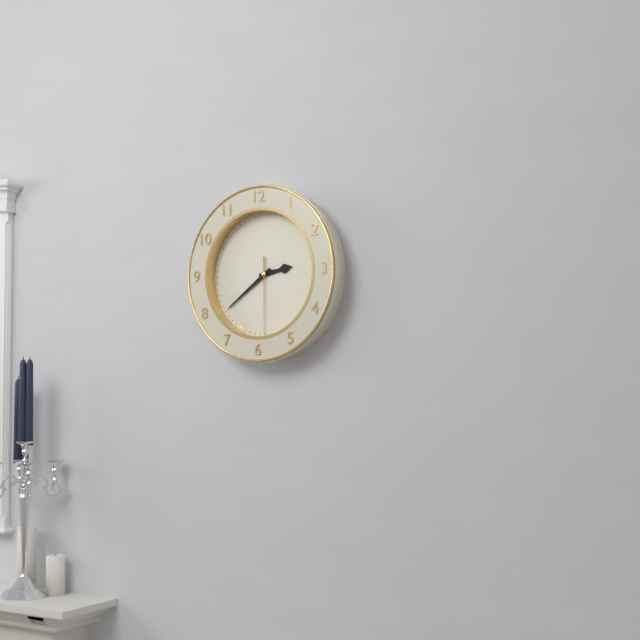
2:39:30
